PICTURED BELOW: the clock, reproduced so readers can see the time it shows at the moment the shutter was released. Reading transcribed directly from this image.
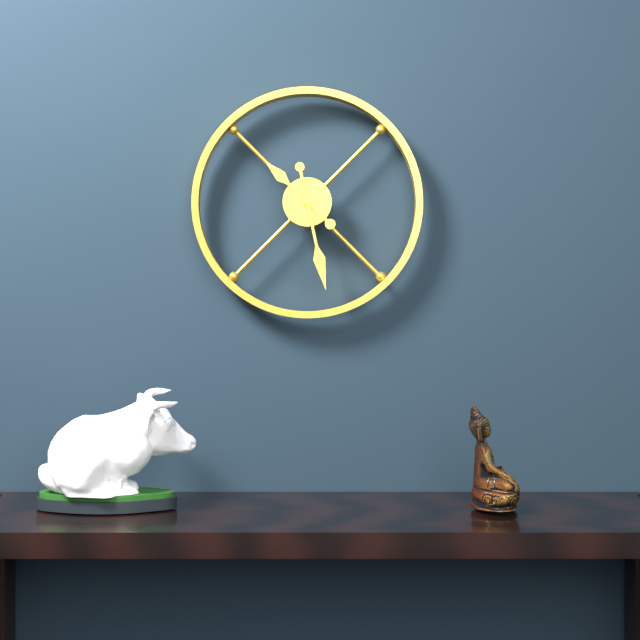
10:28
